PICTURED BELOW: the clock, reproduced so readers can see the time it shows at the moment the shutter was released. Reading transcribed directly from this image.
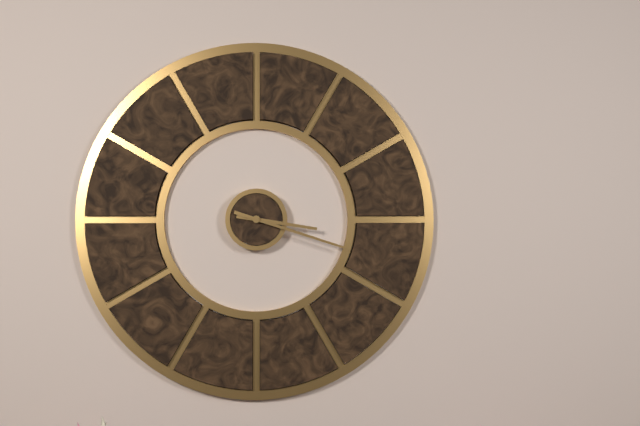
3:18
